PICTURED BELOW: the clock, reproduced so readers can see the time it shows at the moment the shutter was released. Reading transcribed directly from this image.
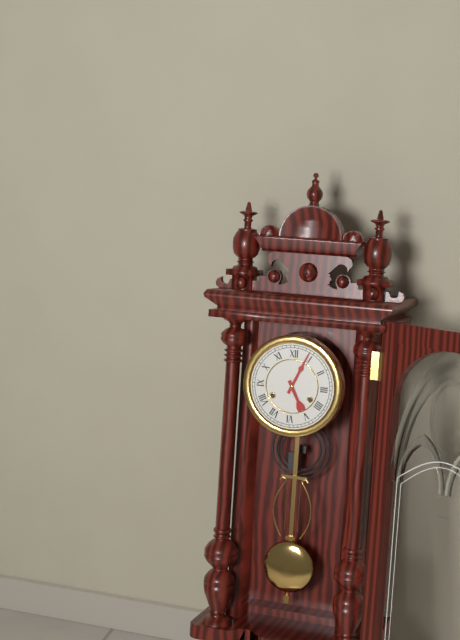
5:04
